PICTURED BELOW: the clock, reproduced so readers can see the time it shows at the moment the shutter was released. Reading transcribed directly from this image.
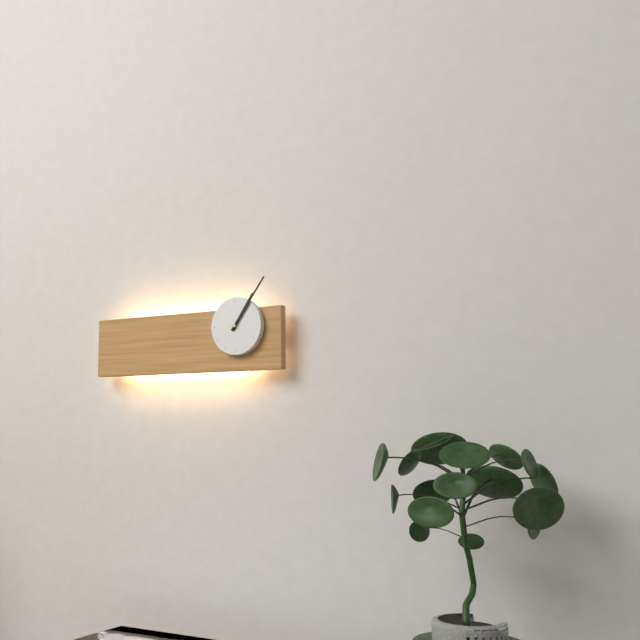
1:06
